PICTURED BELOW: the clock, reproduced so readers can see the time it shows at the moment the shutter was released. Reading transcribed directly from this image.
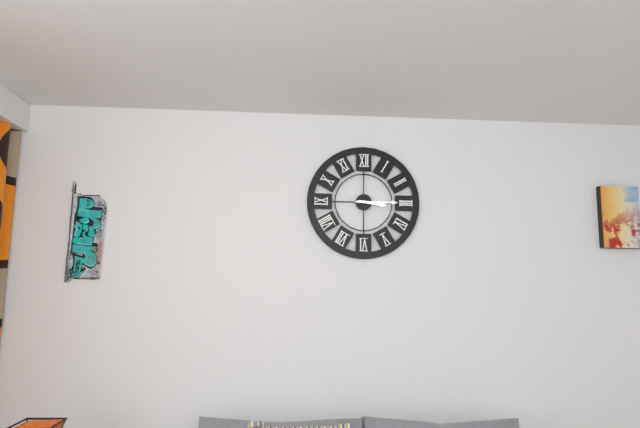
3:15
